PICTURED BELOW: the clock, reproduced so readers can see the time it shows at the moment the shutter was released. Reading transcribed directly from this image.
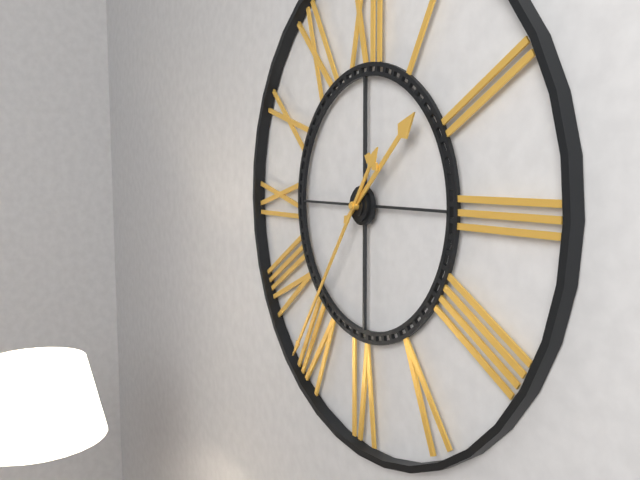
1:36
